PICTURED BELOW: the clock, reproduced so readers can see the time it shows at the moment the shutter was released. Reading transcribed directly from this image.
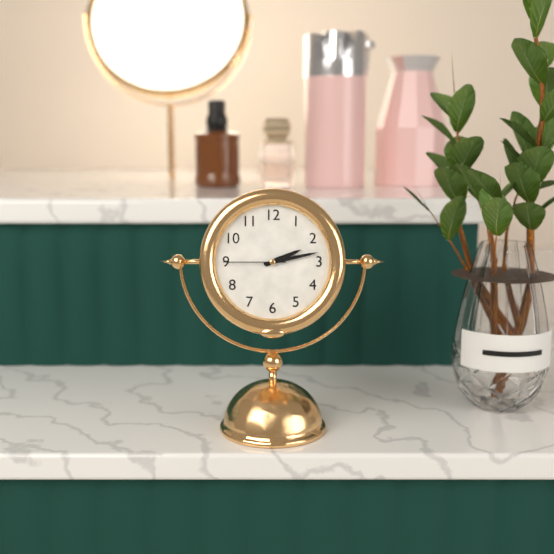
2:13:45
